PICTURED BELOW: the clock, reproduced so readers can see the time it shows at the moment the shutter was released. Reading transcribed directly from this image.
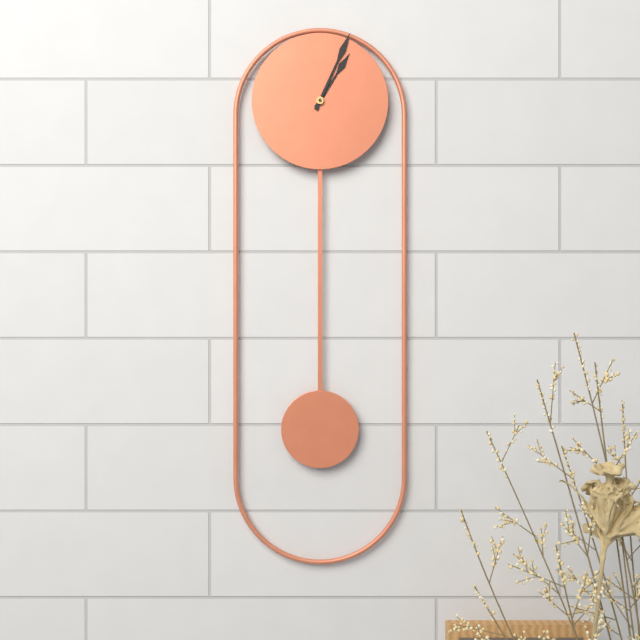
1:04
